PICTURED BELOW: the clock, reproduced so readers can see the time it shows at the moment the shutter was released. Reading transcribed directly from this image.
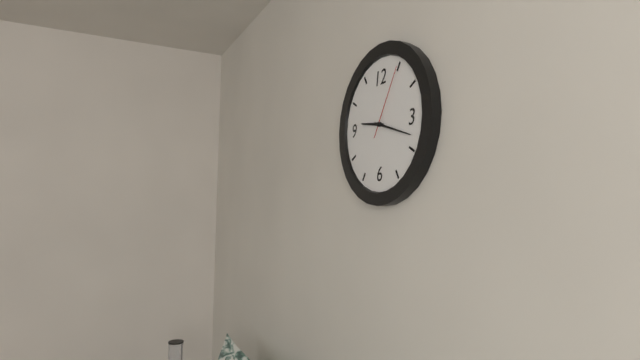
9:18:05
